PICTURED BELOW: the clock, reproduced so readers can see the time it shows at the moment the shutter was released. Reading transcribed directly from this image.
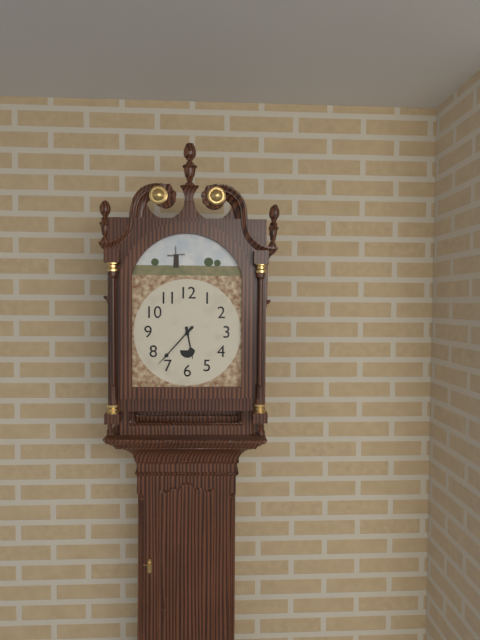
5:37
